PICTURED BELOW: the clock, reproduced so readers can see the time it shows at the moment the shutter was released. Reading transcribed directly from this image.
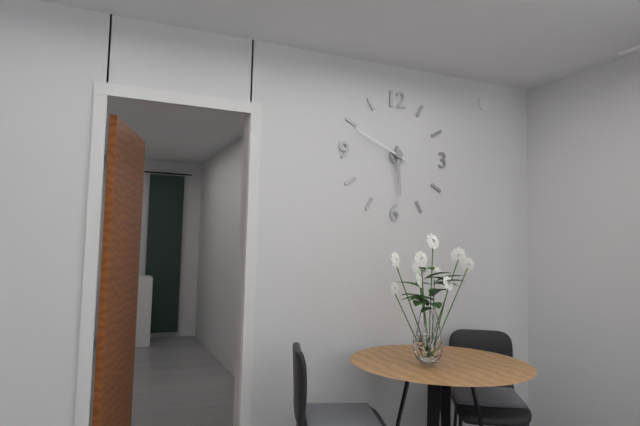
5:49
